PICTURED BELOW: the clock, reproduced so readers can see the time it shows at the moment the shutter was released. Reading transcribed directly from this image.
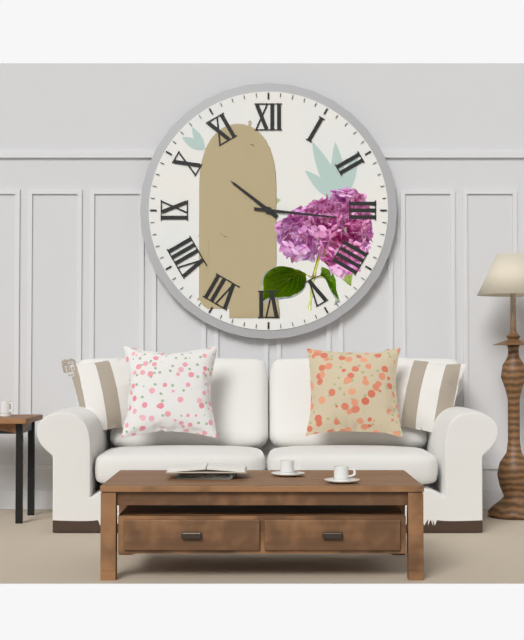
10:16
